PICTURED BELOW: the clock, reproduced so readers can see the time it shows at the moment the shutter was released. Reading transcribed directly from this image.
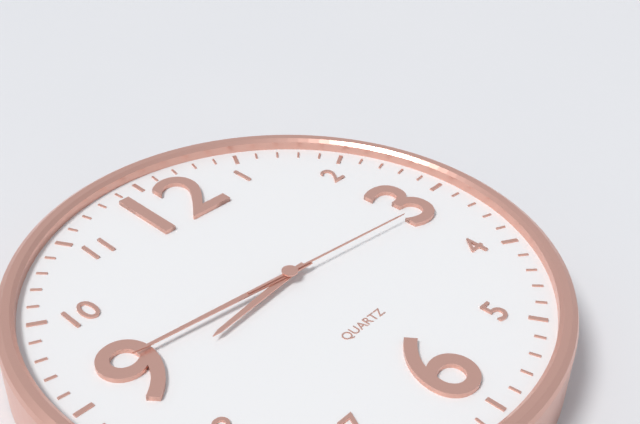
8:46:16
